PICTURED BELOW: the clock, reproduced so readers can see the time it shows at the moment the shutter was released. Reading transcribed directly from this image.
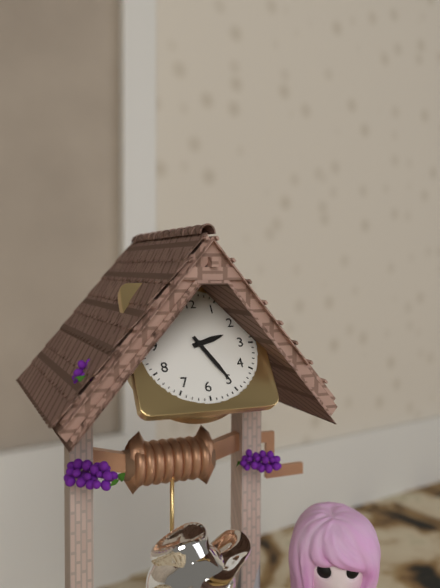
2:25
